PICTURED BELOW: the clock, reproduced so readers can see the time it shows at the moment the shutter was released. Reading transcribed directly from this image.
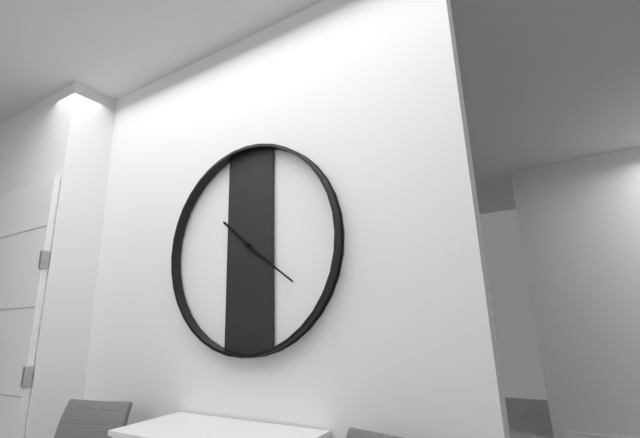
10:21
